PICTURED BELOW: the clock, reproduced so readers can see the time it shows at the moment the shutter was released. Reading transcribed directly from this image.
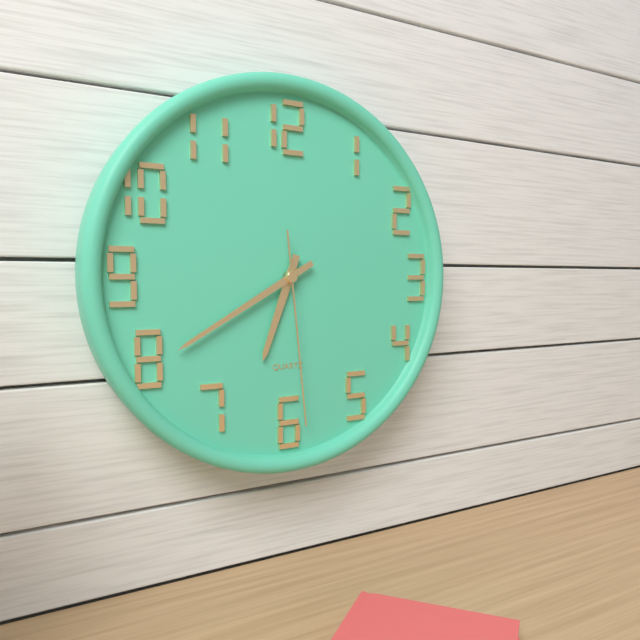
6:40:29
